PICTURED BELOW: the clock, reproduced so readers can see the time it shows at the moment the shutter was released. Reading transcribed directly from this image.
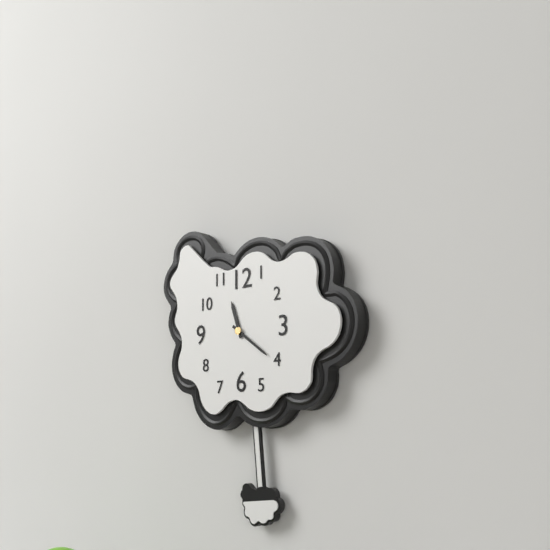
11:21
